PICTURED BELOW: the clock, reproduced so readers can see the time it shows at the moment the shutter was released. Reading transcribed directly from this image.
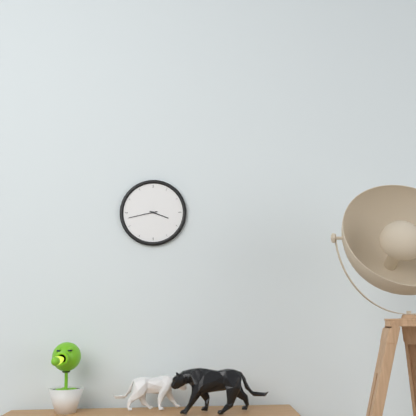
3:43
